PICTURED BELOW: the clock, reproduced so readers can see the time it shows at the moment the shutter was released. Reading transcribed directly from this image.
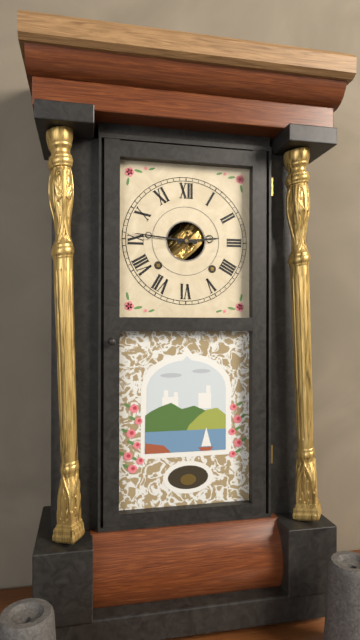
2:46
